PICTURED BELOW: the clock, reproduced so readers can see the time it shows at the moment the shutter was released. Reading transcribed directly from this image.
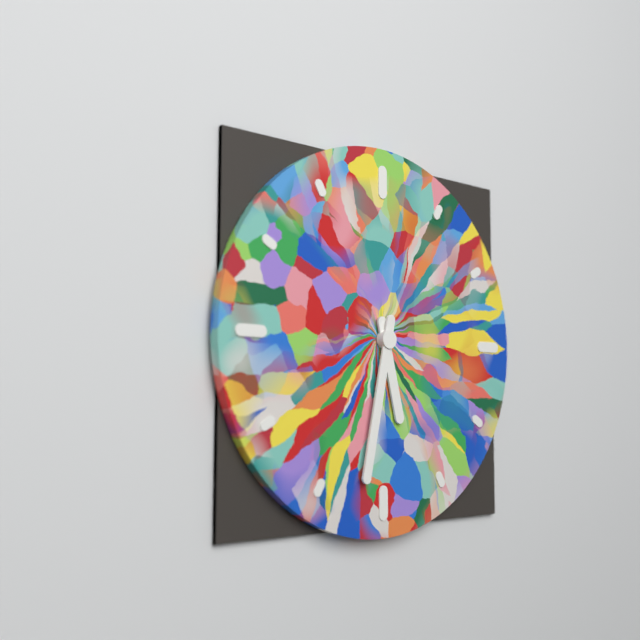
5:32
